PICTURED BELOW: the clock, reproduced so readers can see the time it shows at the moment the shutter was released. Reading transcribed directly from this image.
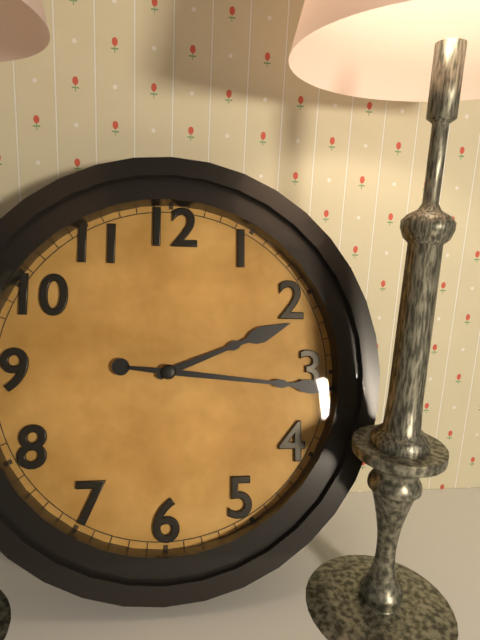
2:16
